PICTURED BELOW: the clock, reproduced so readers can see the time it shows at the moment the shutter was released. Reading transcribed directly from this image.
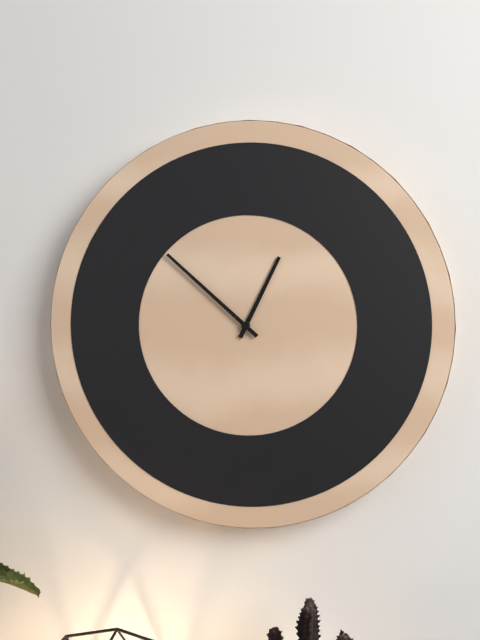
12:52
